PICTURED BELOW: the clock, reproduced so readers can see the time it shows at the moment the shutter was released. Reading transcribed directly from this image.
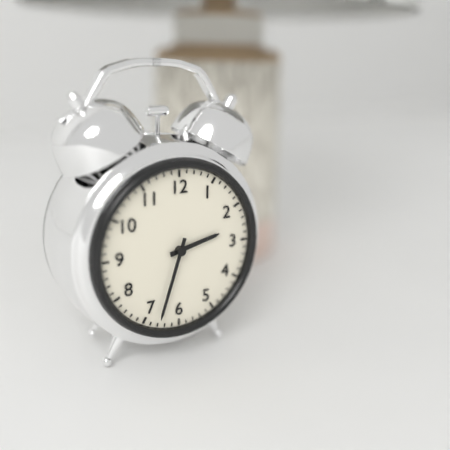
2:33
